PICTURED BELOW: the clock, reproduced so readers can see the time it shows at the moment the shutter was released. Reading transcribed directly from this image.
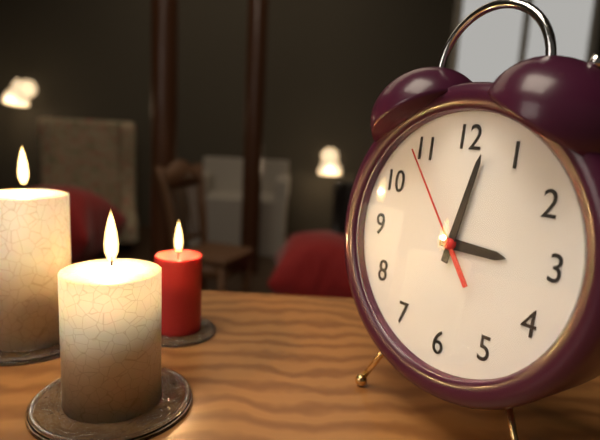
3:02:54
